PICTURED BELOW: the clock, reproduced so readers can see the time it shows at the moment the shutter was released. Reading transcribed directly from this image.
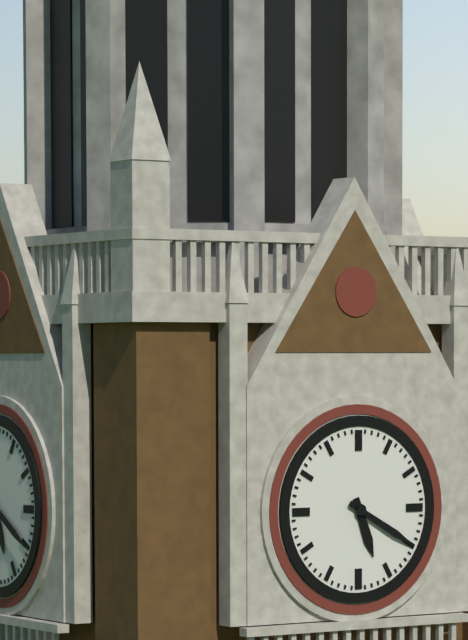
5:20
